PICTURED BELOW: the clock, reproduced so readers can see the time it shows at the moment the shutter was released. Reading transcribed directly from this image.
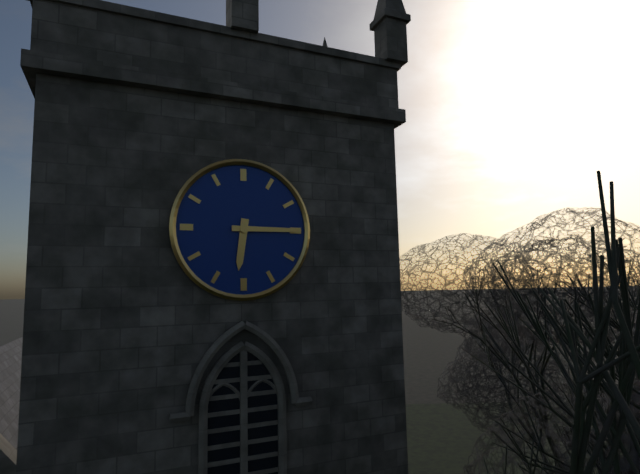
6:15
